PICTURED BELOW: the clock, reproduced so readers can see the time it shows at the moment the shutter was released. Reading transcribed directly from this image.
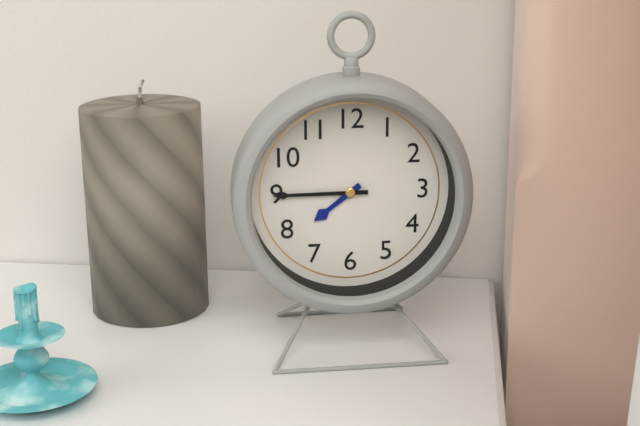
7:45
